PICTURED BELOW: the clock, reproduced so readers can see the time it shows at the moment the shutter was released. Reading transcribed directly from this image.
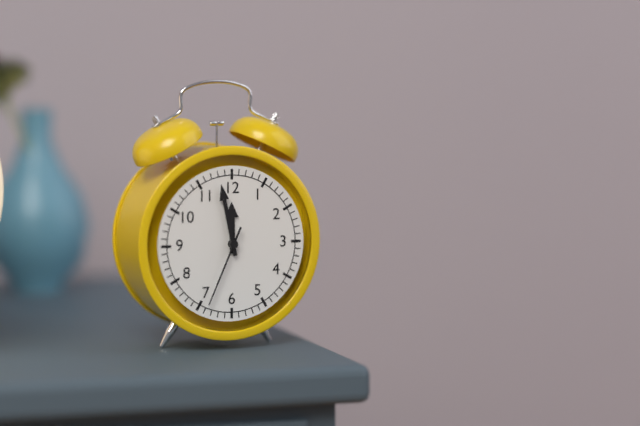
11:58:34
